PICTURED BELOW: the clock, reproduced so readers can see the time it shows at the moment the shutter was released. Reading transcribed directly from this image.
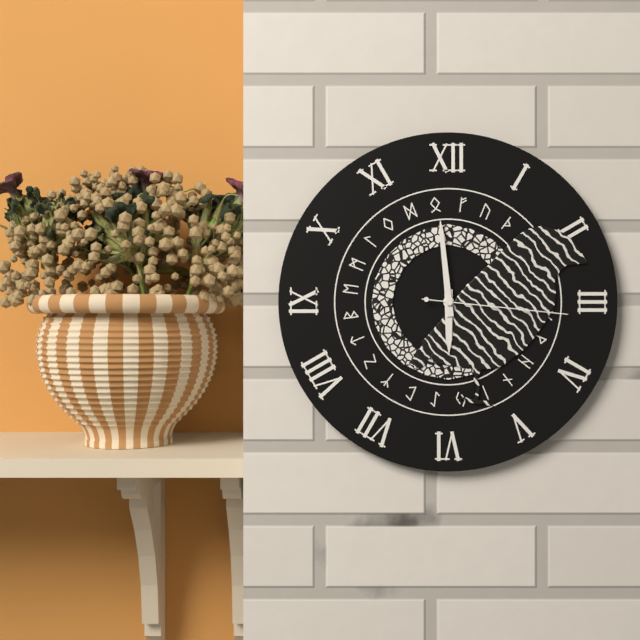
5:59:16
